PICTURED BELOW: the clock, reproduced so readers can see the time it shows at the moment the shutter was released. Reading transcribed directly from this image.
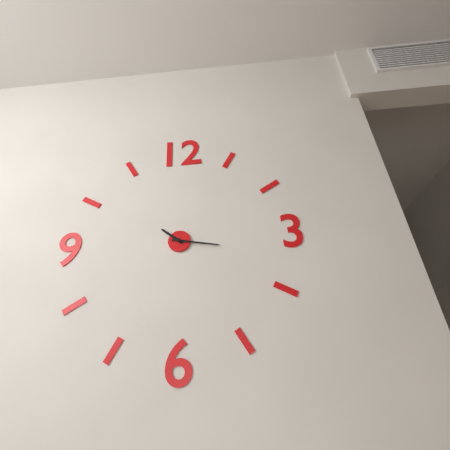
10:17
